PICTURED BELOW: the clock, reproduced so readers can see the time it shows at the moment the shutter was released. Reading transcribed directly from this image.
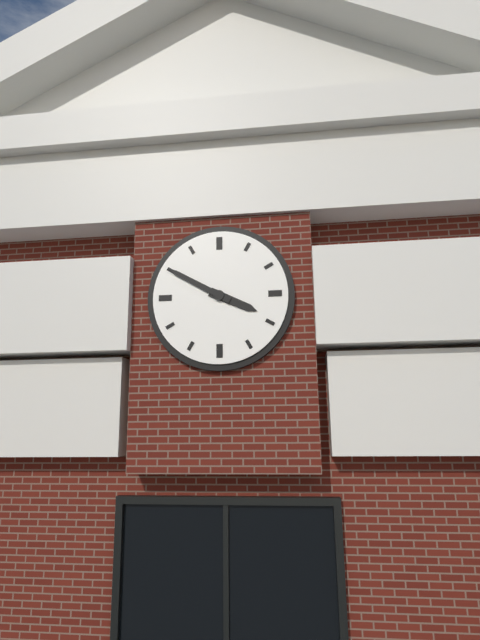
3:50
